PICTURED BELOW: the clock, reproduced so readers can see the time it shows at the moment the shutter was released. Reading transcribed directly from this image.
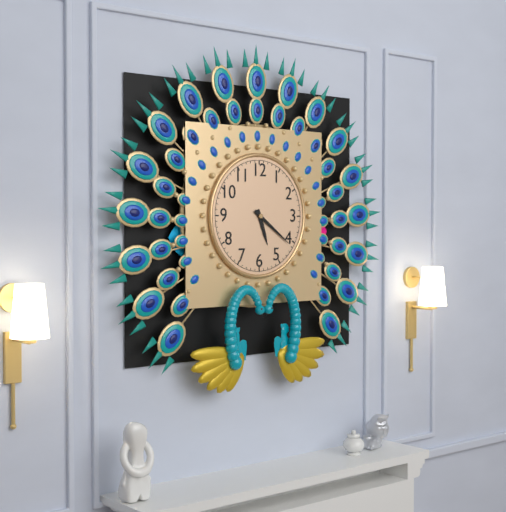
5:21
